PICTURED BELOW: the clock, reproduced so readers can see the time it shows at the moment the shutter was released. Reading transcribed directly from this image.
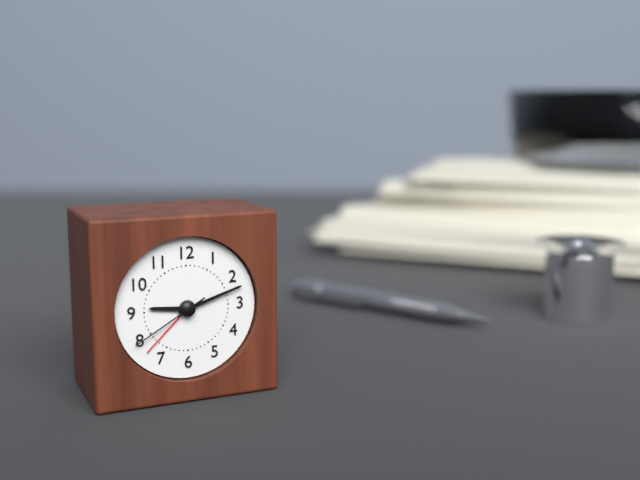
9:12:40
